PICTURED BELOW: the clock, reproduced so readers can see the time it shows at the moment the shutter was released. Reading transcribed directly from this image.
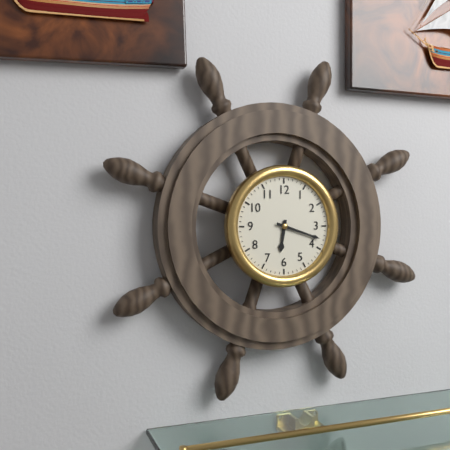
6:18
